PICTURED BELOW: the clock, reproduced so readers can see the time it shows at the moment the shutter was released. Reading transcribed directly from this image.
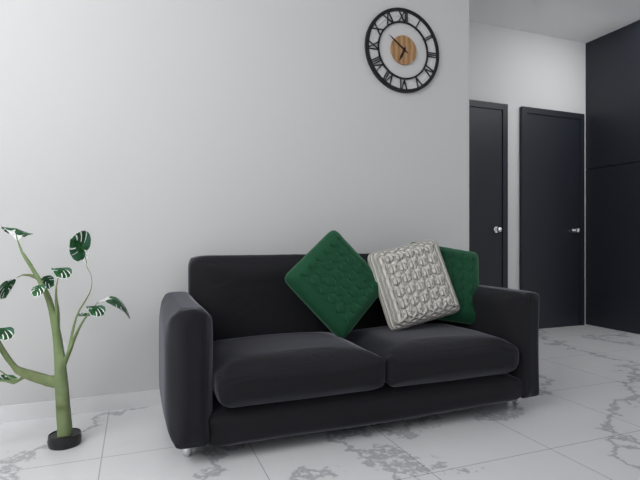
6:51
